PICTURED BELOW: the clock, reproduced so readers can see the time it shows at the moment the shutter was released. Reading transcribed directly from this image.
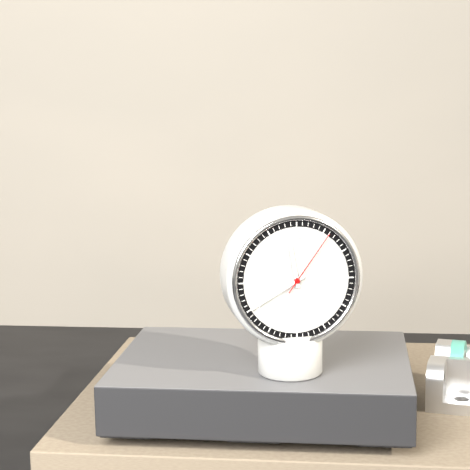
11:40:06
